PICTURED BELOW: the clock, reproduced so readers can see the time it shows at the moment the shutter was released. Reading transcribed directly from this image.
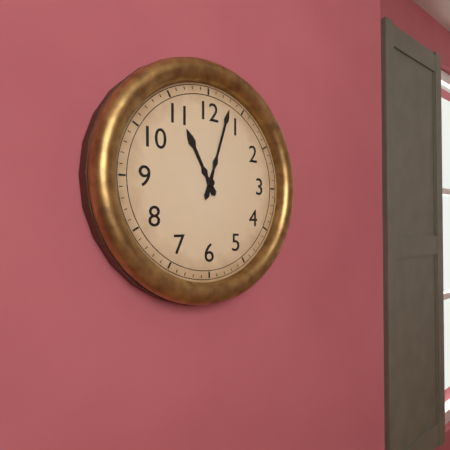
11:03
